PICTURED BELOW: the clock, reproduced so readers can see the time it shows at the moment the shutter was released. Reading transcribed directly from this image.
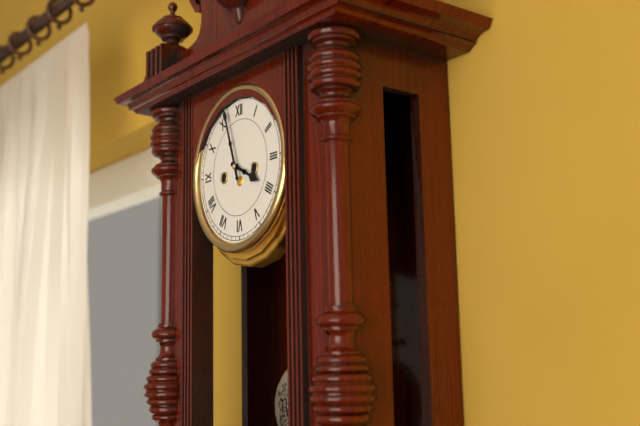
3:57
